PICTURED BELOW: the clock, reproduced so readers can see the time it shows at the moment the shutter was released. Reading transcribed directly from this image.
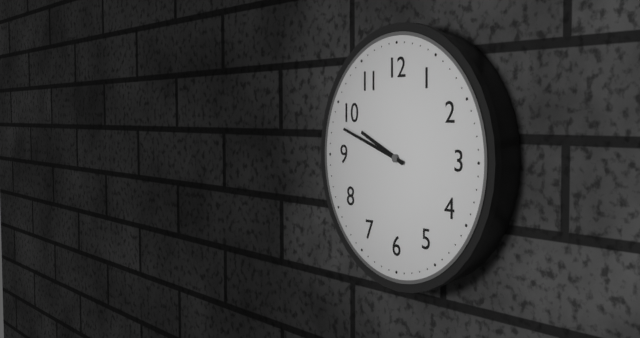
9:48
